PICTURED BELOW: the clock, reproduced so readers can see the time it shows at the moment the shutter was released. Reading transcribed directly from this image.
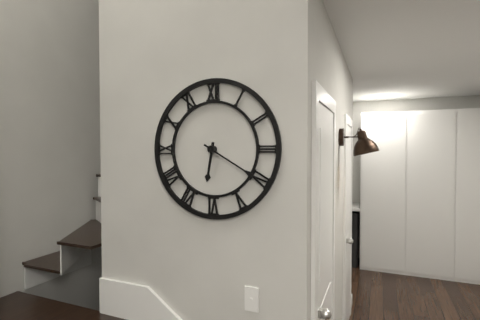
6:20
